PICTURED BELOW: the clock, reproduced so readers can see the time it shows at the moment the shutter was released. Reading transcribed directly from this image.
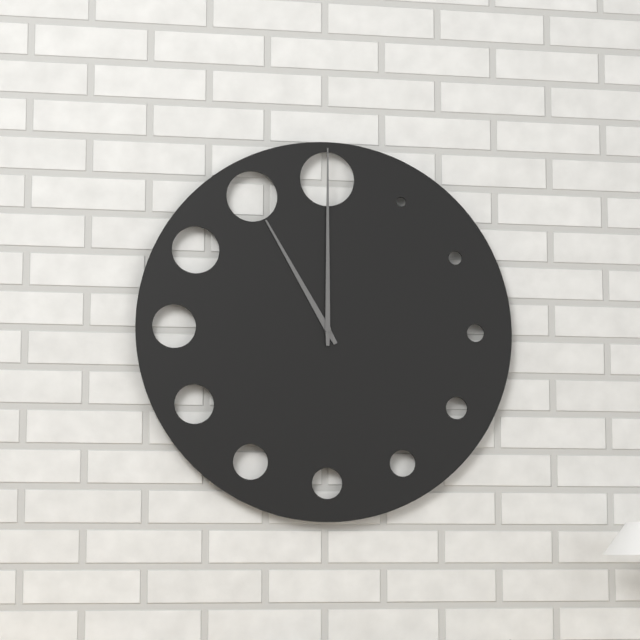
11:00
